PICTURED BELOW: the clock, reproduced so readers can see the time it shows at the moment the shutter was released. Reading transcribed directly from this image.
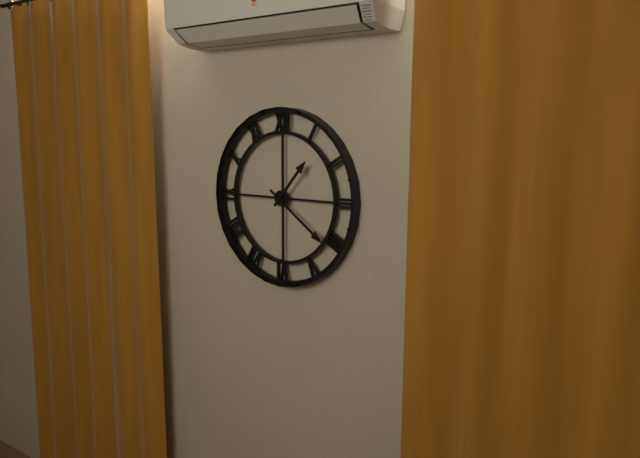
1:21
